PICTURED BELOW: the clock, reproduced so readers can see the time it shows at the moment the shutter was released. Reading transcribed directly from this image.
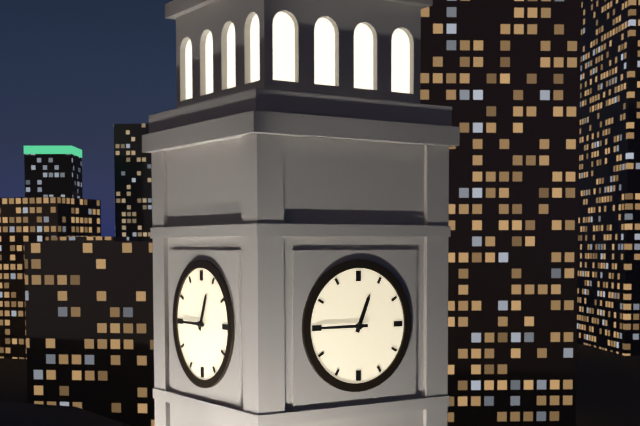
12:45
